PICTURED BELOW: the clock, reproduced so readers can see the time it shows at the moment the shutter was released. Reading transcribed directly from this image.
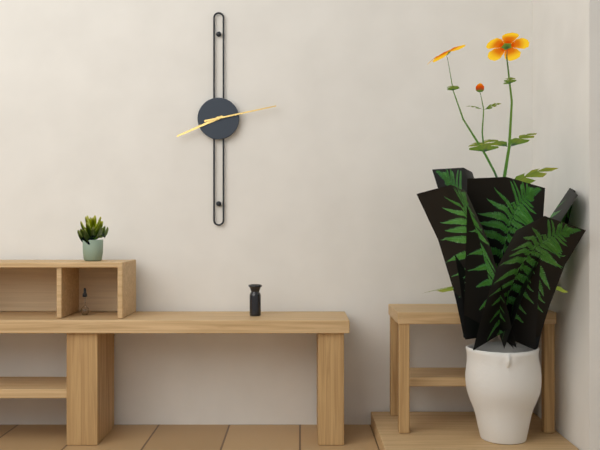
8:13
